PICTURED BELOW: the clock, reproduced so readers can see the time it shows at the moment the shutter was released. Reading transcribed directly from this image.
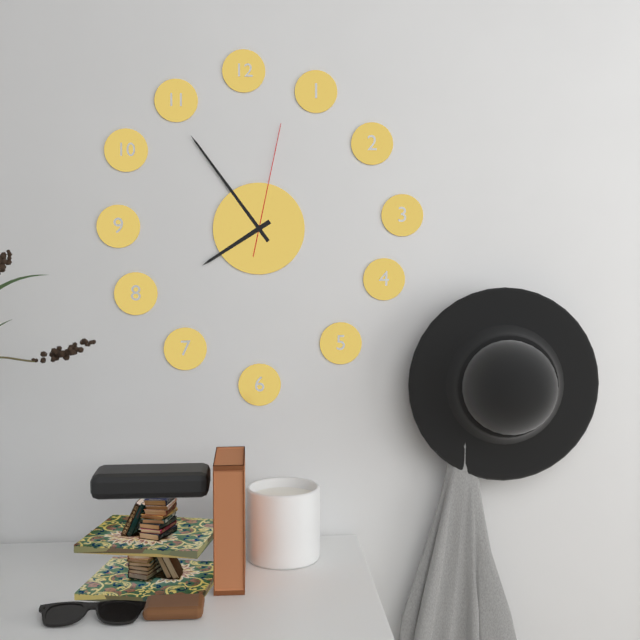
7:54:02
